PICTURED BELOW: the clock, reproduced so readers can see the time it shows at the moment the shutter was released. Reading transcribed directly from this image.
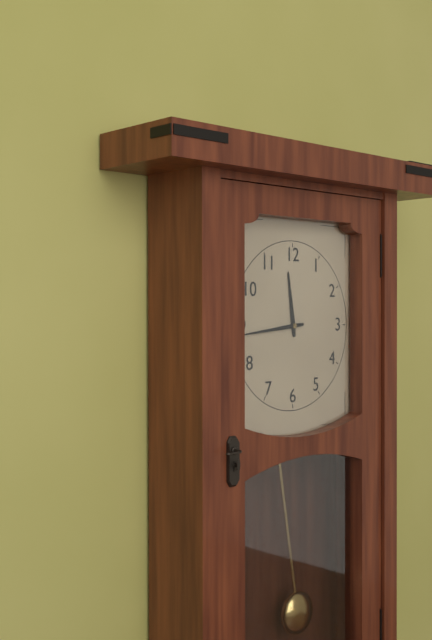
11:44
